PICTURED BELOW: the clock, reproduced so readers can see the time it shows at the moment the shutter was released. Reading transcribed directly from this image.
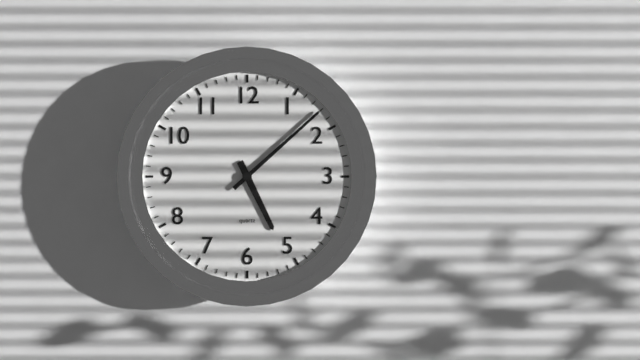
5:08
